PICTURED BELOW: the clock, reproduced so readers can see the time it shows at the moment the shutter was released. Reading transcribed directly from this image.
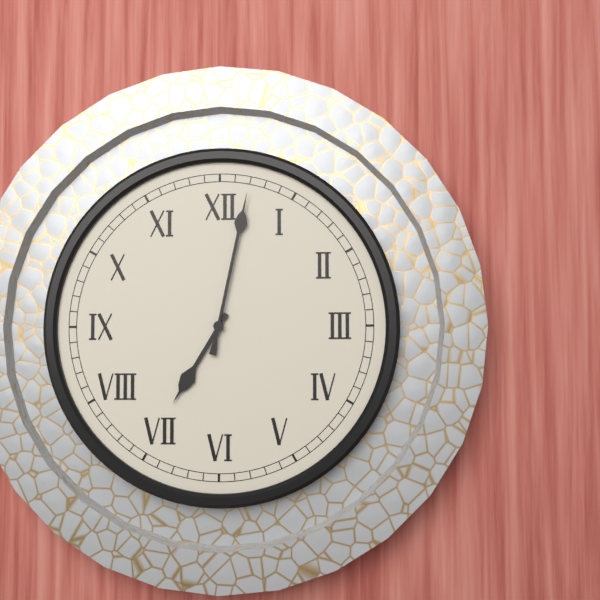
7:02
